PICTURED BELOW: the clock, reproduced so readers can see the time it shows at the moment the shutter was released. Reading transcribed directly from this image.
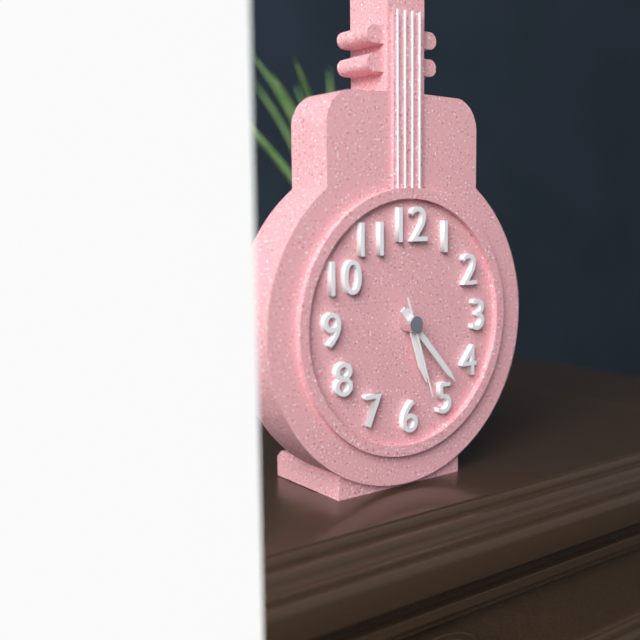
5:23:27
